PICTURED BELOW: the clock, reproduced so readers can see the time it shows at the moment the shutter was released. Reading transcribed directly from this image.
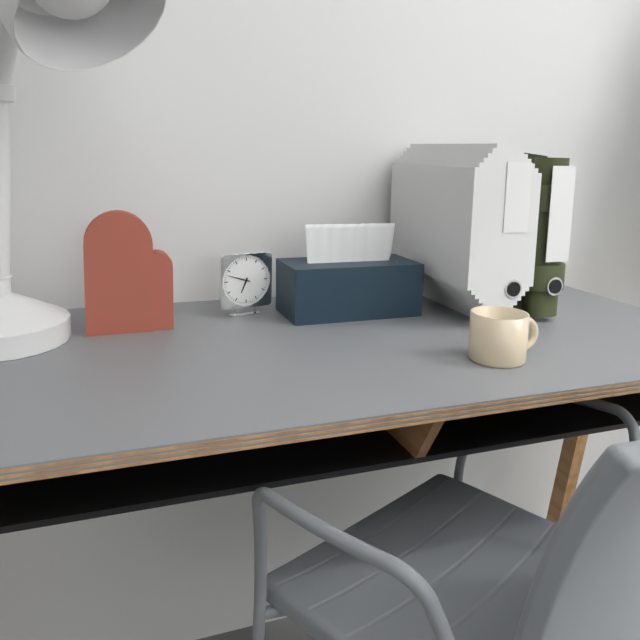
6:48
